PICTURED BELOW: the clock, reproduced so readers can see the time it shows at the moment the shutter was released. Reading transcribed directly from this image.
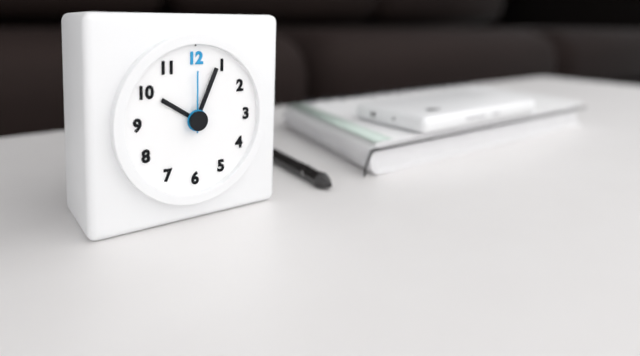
10:04:00
